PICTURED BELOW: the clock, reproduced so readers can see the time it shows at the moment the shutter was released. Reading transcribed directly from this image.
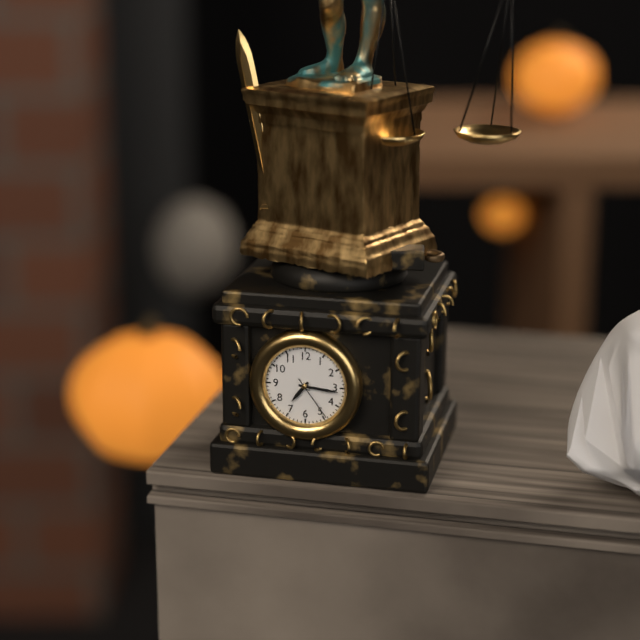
7:16
